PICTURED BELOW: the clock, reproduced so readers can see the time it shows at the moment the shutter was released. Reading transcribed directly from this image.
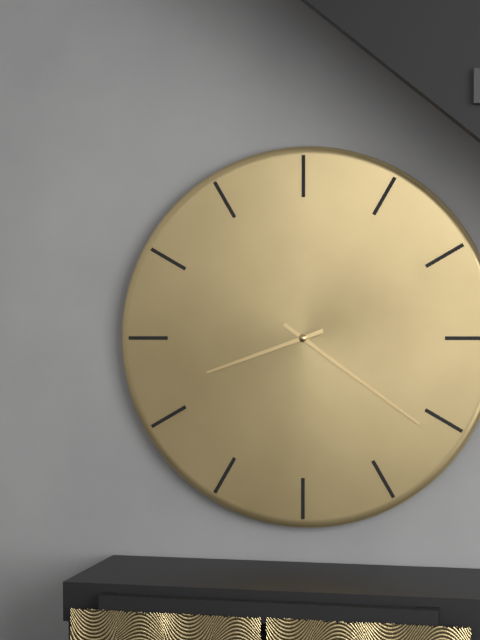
8:21
